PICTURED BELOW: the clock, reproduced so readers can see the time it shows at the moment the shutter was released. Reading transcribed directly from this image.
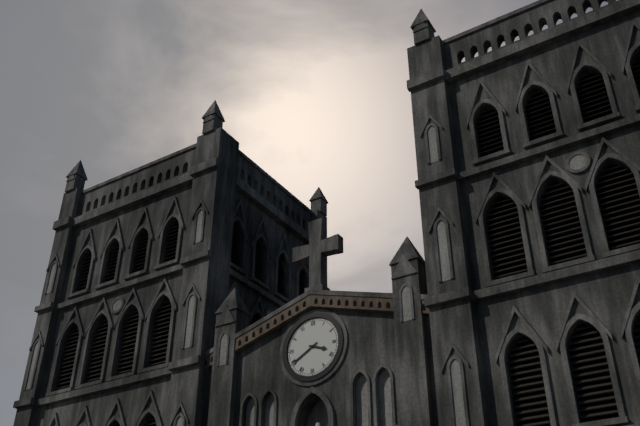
3:40
